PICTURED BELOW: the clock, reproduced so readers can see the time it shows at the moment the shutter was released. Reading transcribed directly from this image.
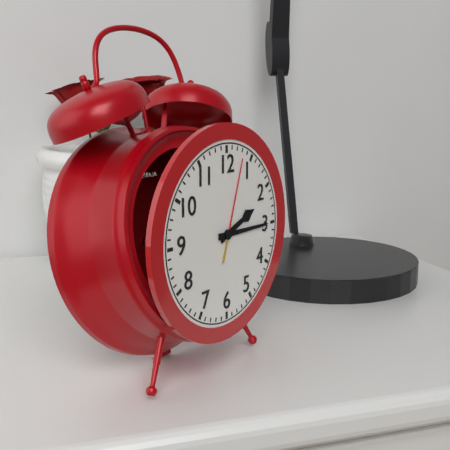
2:15:03
